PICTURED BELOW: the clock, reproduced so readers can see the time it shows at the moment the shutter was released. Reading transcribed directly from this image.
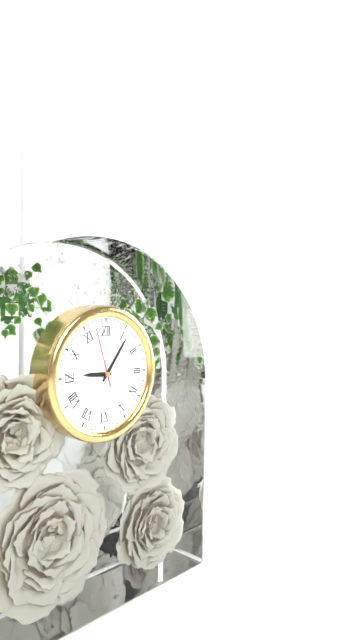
9:06:57
